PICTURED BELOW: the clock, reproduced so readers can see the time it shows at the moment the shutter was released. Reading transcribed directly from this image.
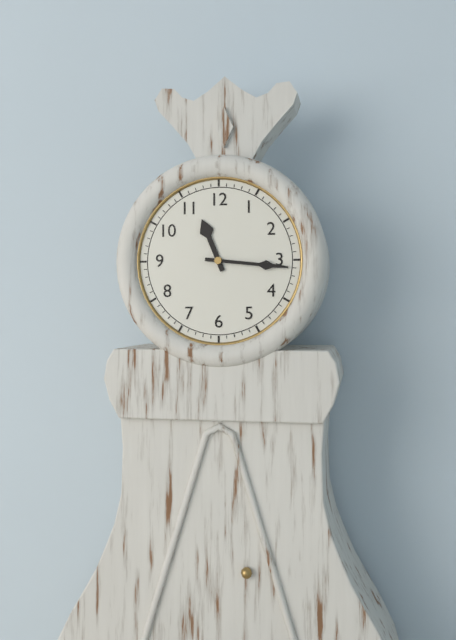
11:16
